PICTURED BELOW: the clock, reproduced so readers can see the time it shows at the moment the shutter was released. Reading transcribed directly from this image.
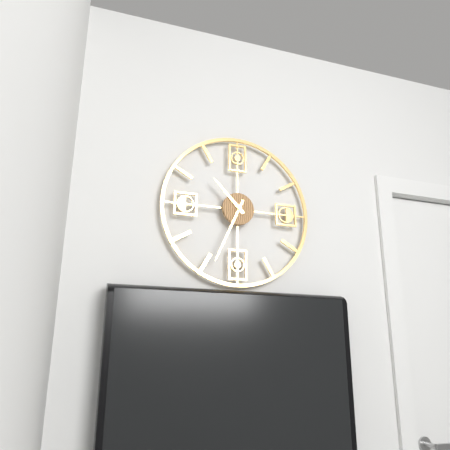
10:34
